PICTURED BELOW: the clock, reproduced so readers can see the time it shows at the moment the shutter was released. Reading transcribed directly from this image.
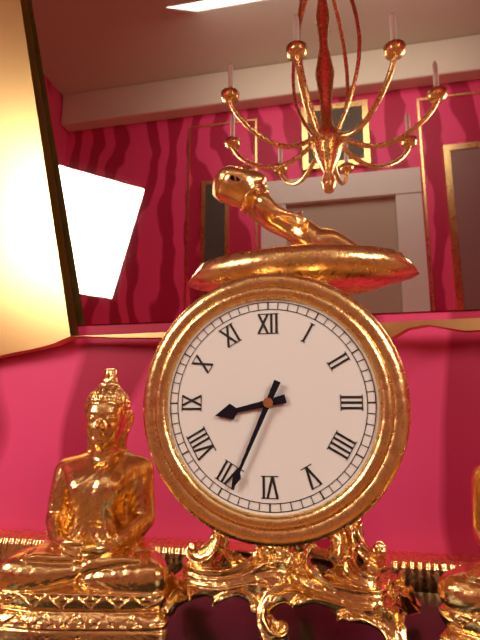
8:34
